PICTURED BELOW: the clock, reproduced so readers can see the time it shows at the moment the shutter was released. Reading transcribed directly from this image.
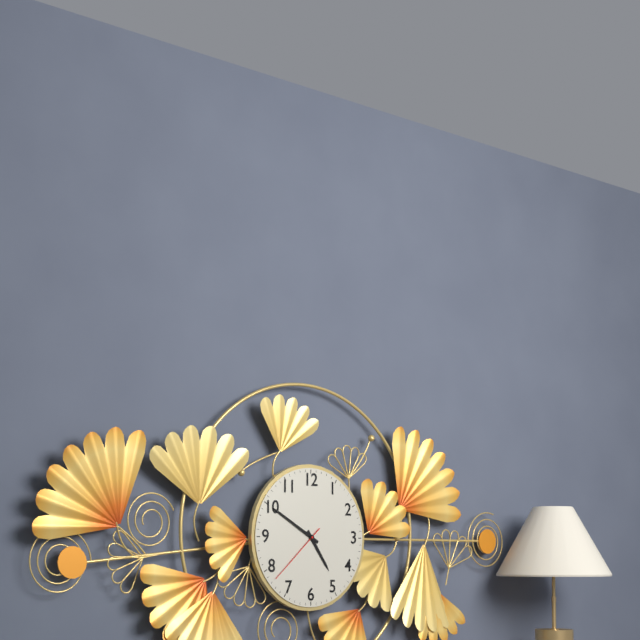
4:50:38
